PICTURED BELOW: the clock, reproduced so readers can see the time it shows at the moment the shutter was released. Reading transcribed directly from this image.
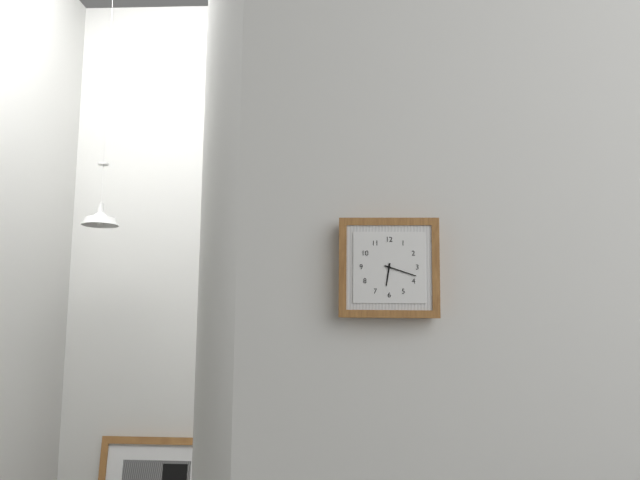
6:18
